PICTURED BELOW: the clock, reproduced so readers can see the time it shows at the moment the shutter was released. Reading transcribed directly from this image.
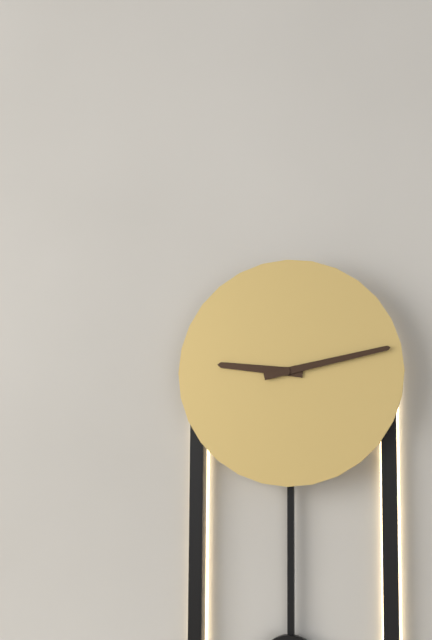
9:13
